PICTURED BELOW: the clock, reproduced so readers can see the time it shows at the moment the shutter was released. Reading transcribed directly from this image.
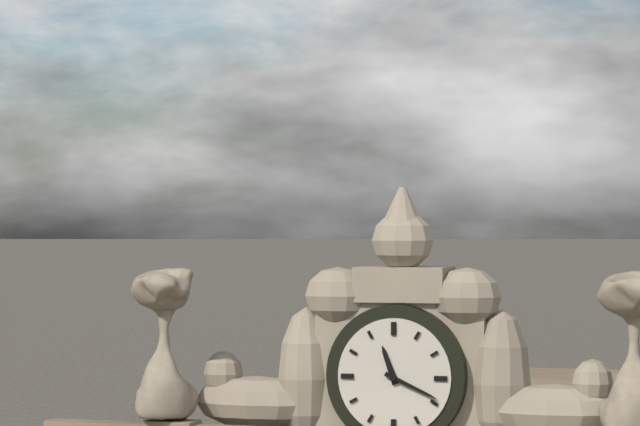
11:19
